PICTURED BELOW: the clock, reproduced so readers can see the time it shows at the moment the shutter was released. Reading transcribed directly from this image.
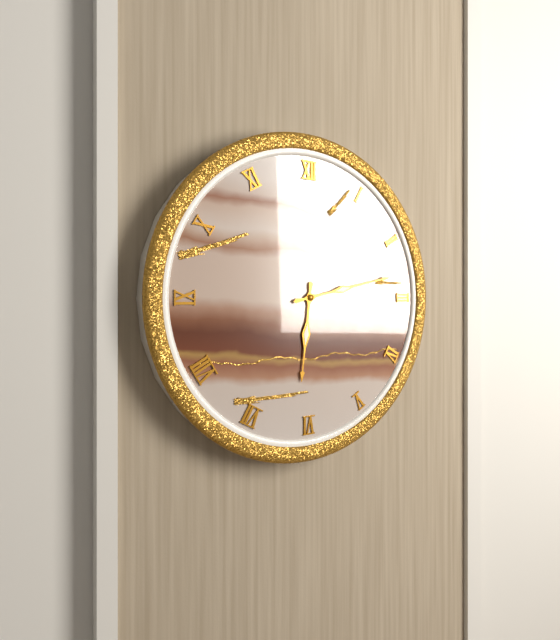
6:13
